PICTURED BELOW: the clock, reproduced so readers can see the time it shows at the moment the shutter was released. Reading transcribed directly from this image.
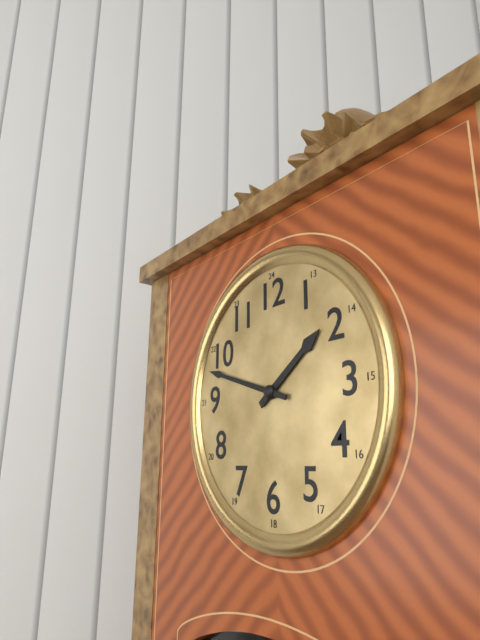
1:48
